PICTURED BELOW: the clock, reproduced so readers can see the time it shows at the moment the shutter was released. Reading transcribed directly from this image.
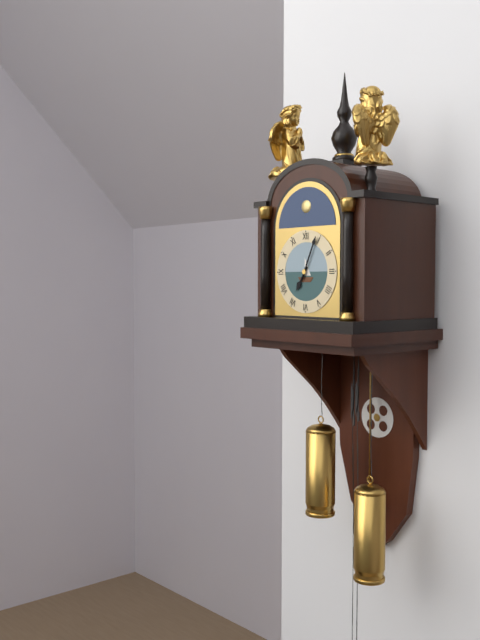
7:04
